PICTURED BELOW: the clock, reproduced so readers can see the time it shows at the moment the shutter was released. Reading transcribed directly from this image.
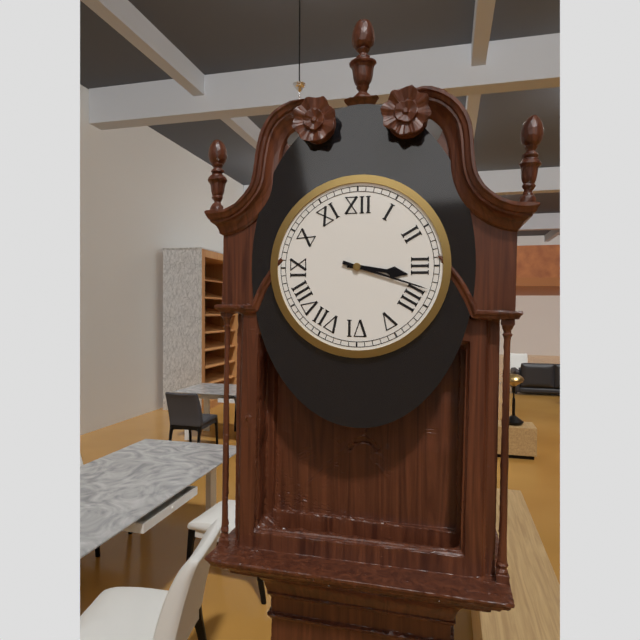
3:18
